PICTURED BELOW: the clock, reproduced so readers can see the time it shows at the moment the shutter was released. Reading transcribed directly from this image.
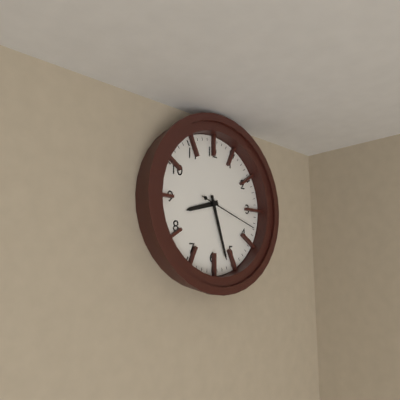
8:27:18
